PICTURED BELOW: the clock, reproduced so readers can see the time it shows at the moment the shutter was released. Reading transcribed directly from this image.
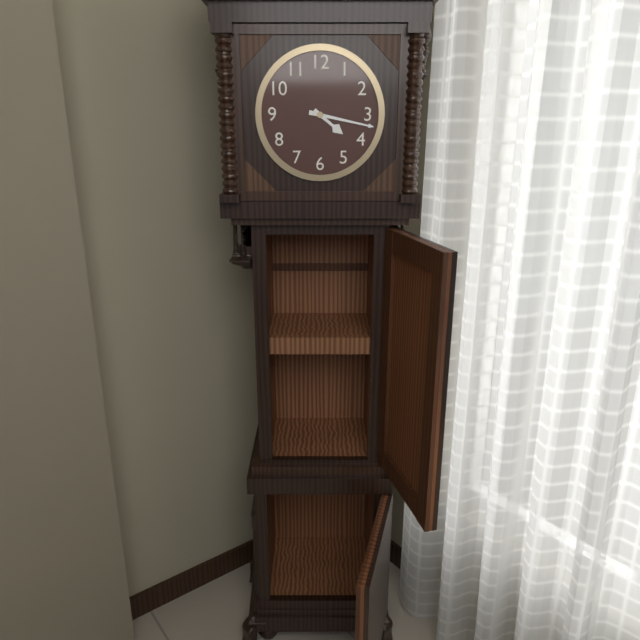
4:17
